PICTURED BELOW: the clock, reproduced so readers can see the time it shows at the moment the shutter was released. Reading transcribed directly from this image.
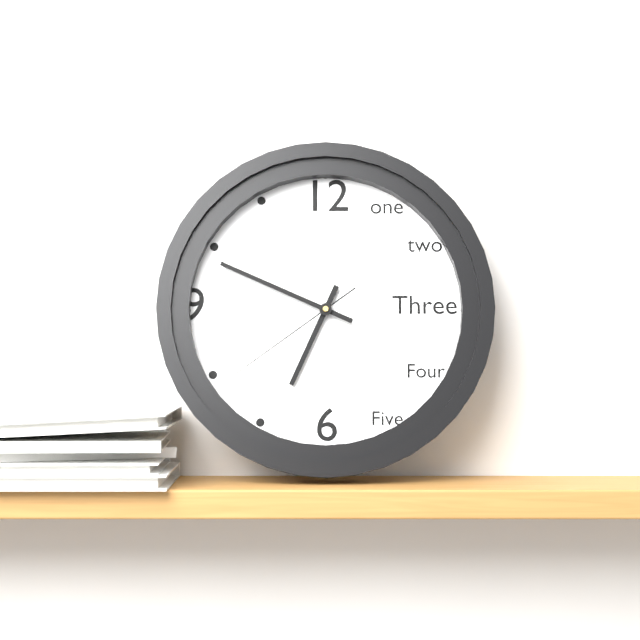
6:49:39
